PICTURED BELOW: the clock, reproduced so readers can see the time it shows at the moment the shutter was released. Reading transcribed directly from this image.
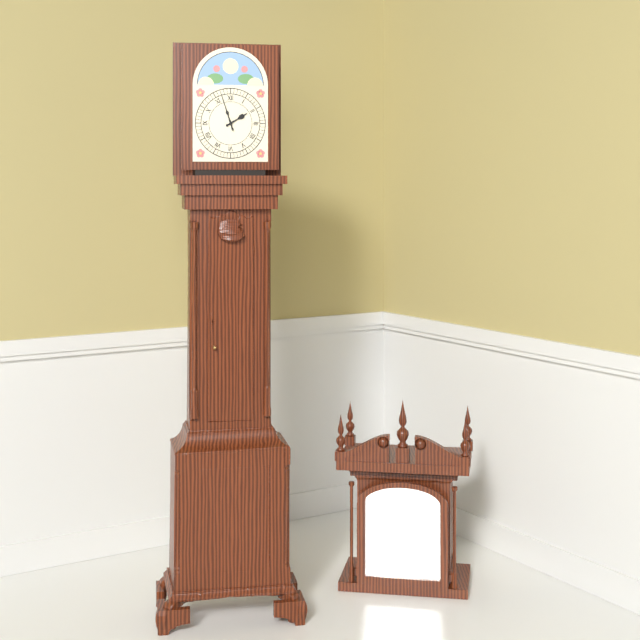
1:57
